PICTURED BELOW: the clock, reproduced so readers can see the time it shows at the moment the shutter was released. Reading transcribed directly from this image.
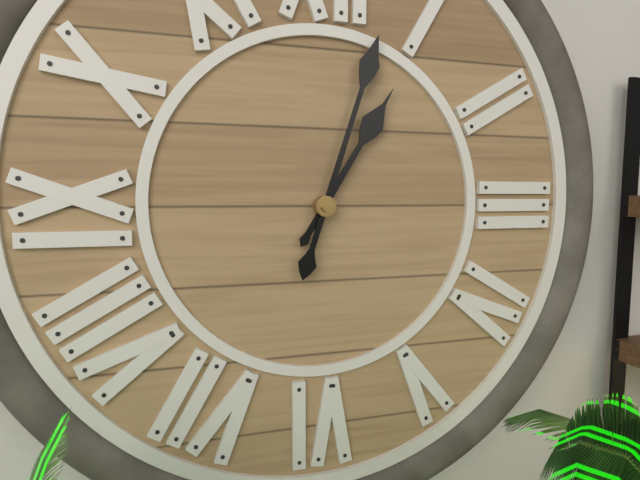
1:03
